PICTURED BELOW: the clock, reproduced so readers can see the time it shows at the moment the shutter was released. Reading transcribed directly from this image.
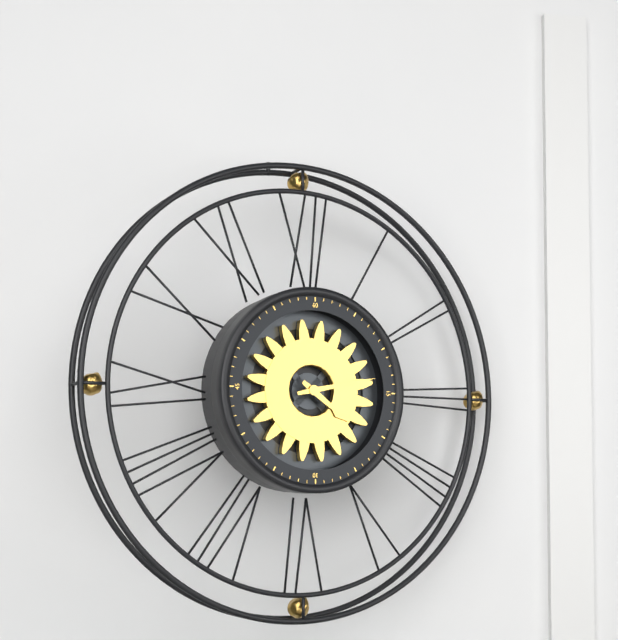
4:13
